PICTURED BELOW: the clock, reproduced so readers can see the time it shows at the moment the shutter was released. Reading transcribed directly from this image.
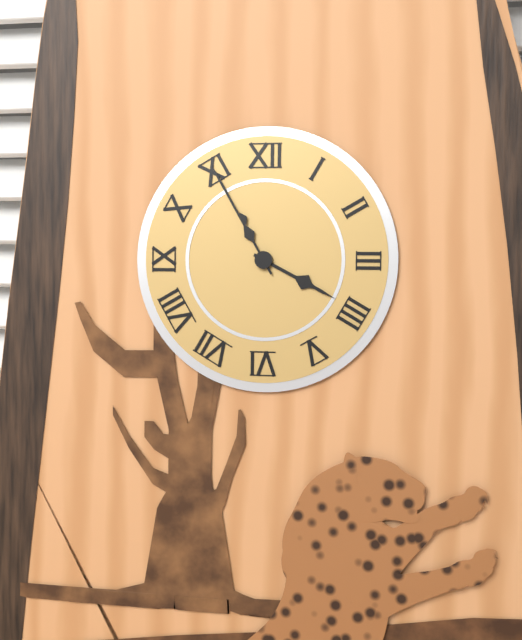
3:55
